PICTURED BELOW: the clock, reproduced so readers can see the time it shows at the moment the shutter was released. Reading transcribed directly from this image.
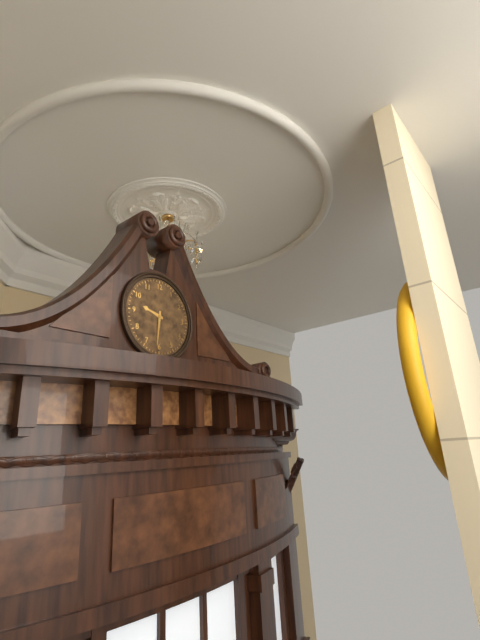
9:31
